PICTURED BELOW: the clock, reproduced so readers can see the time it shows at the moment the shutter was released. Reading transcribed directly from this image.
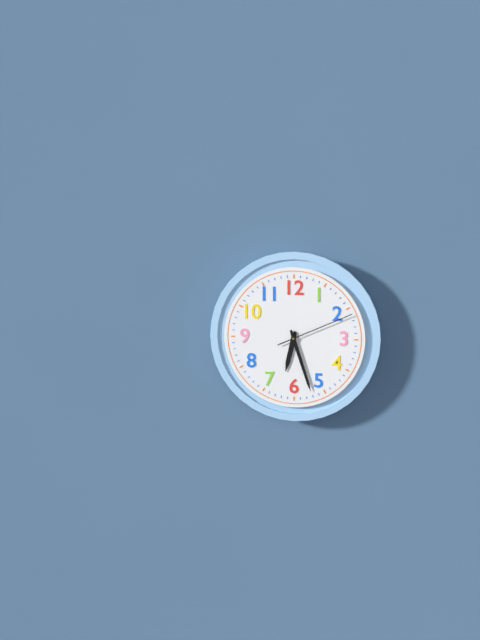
6:27:11
